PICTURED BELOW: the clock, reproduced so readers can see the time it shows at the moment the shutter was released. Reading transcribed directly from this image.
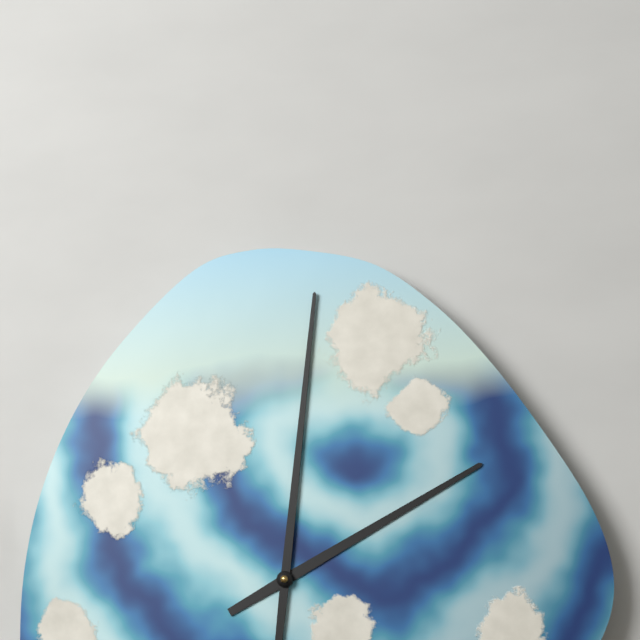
2:01
